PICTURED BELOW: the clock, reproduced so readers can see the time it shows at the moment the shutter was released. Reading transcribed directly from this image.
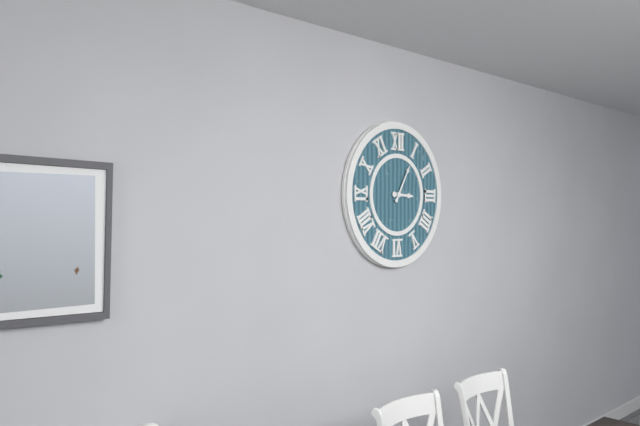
3:05
